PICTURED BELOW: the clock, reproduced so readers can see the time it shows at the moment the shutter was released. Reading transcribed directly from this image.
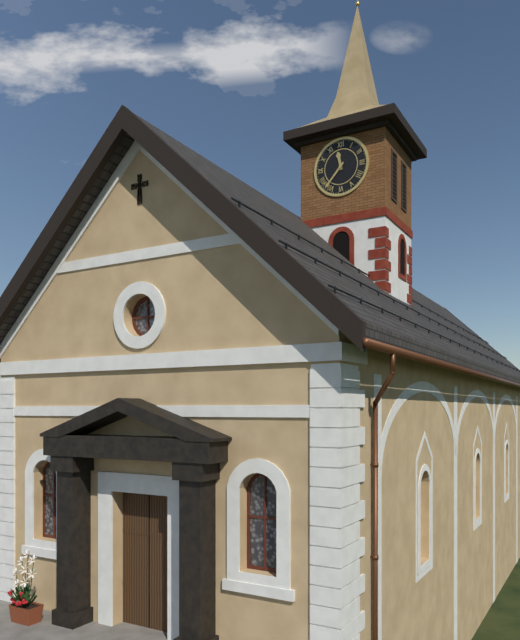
11:37
